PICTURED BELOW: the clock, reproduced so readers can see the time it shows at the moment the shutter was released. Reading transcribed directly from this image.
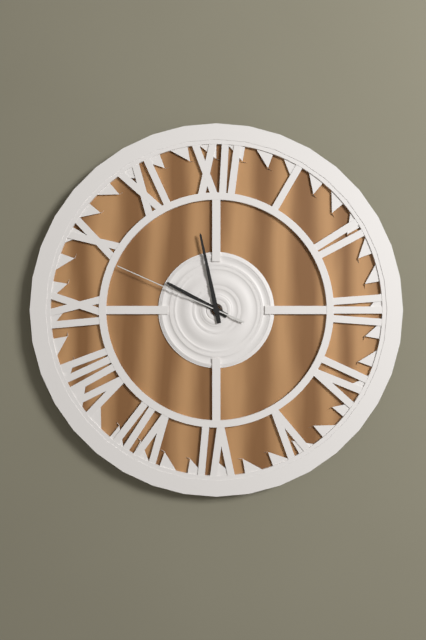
9:58:49
